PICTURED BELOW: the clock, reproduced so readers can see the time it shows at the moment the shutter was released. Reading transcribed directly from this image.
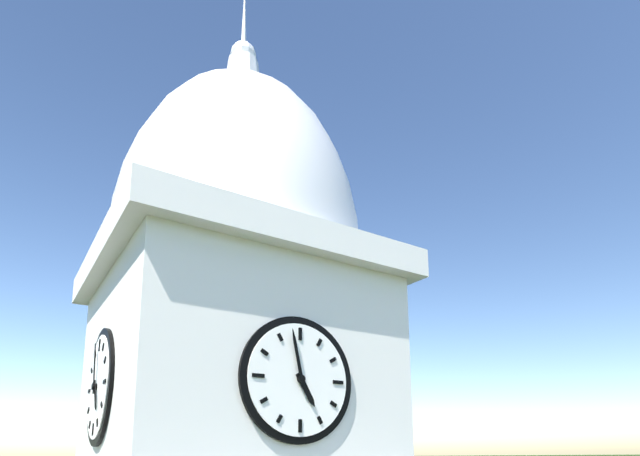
4:58
